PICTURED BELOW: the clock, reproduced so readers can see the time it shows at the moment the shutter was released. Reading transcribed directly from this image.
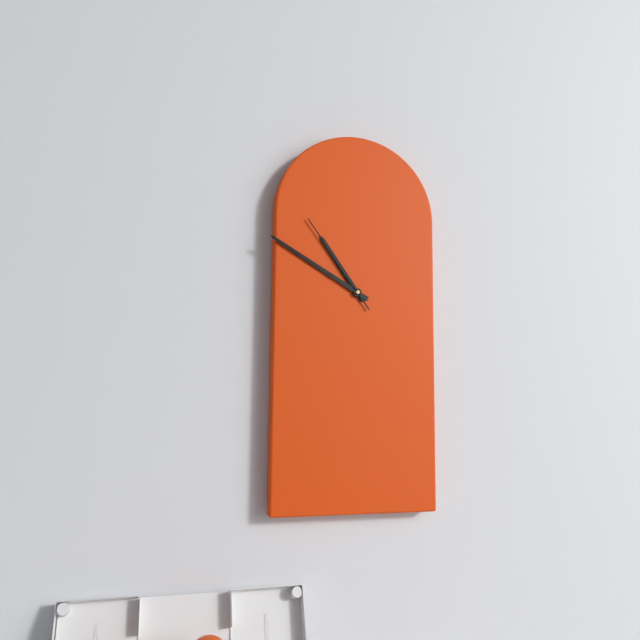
10:50:54
